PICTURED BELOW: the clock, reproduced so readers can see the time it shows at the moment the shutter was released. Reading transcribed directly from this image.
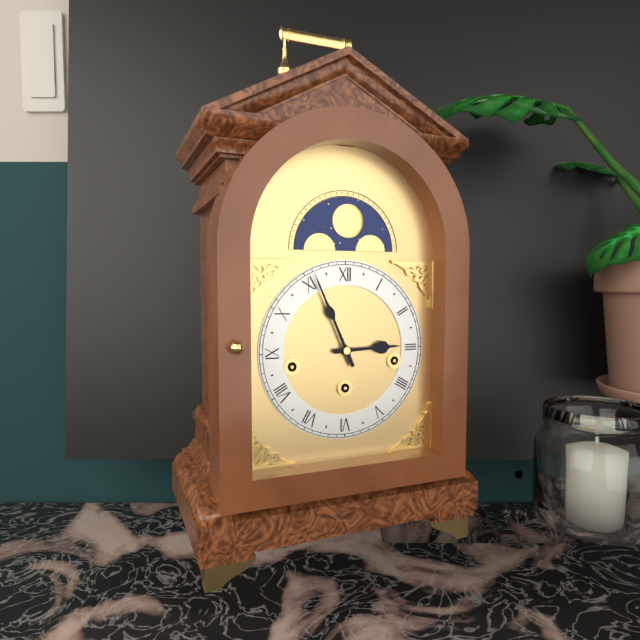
2:56
